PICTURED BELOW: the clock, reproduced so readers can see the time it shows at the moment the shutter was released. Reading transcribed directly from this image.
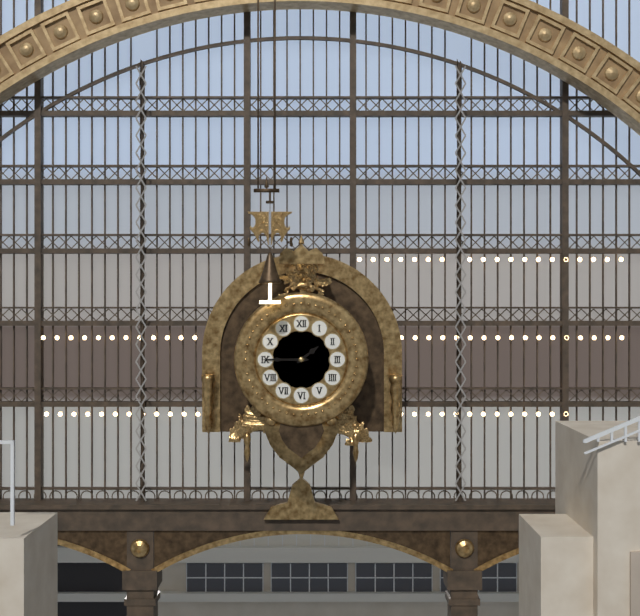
1:45
